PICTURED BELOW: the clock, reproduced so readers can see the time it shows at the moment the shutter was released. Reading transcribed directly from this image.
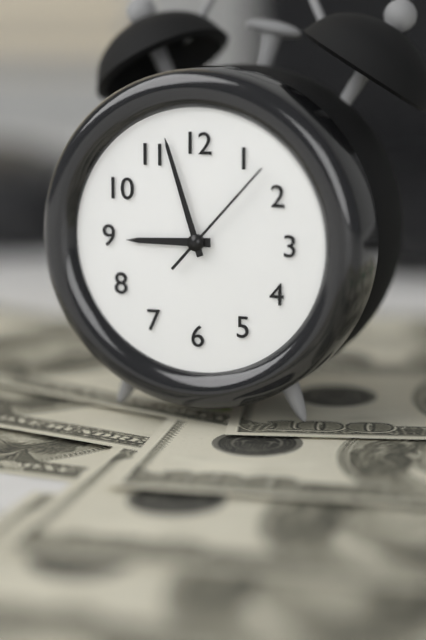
8:57:07
